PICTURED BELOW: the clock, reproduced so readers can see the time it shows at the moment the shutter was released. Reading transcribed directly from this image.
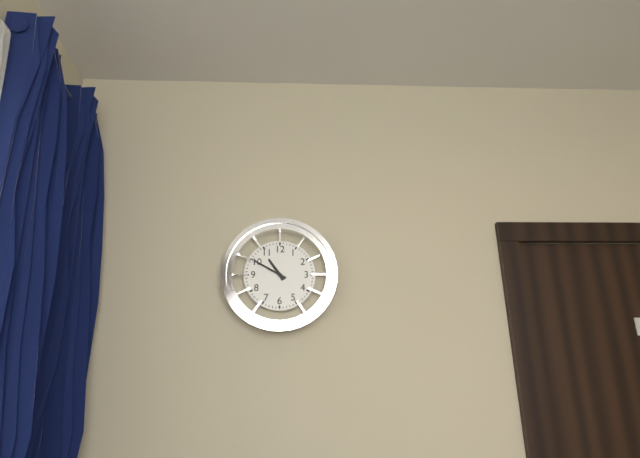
10:50
